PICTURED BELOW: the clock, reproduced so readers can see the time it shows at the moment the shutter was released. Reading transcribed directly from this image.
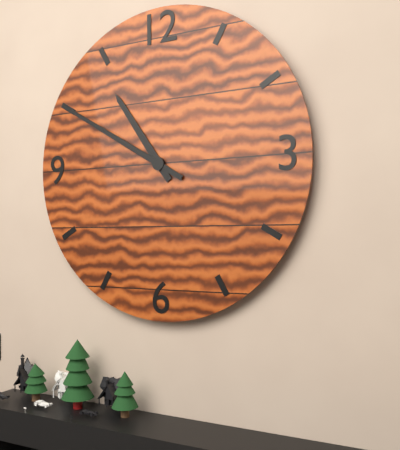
10:50
